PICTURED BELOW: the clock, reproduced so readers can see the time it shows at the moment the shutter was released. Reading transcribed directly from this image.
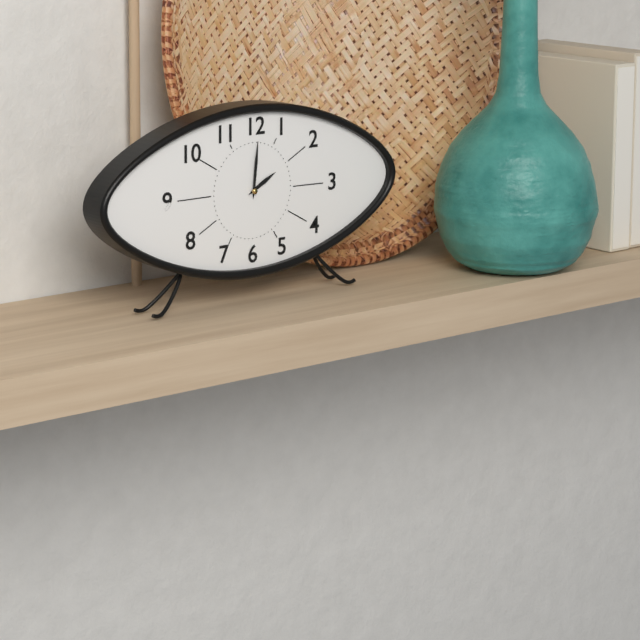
2:01
